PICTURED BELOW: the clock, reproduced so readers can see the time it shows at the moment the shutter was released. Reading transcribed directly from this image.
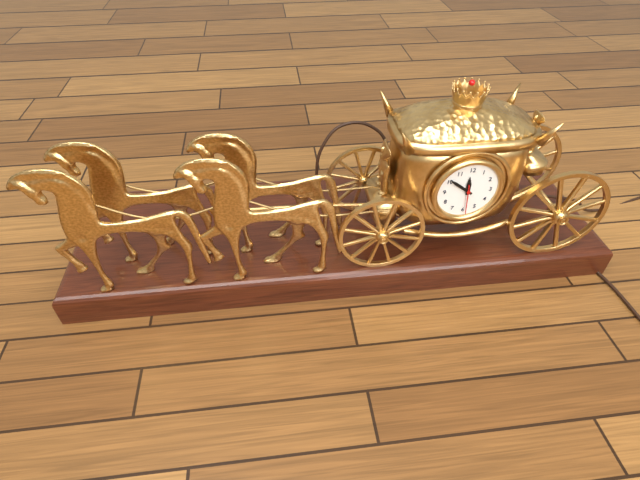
11:51
